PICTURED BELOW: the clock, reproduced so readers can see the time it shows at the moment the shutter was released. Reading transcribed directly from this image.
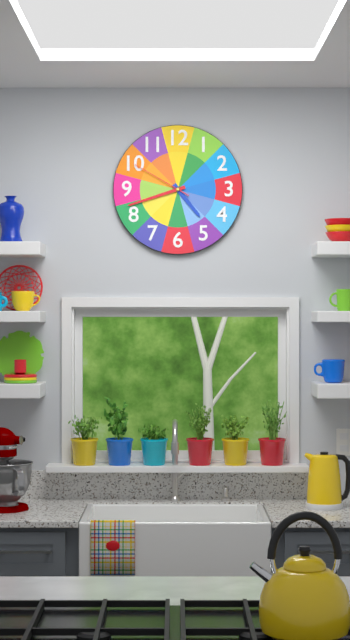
4:42:50
